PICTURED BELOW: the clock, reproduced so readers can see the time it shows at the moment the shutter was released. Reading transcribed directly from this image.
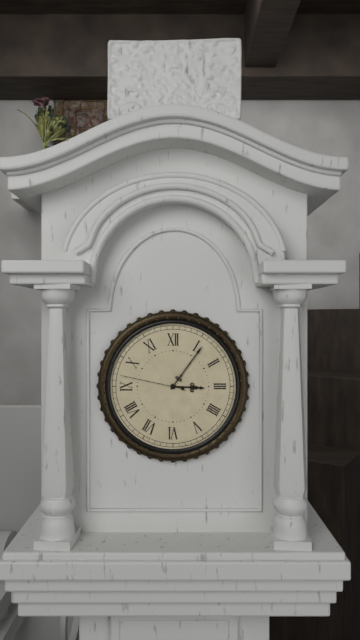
3:06:47
